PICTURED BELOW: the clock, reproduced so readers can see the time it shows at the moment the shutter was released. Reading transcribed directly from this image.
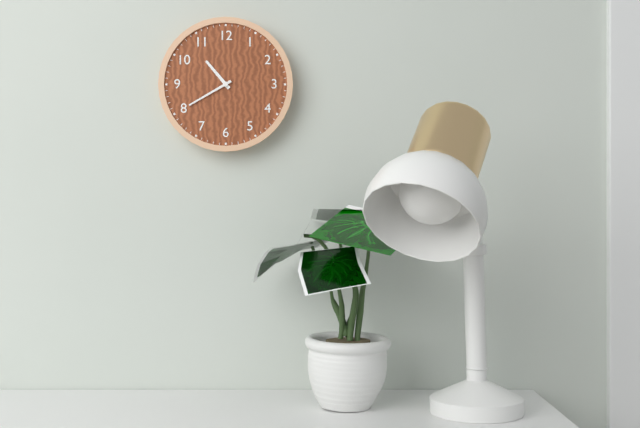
10:40
